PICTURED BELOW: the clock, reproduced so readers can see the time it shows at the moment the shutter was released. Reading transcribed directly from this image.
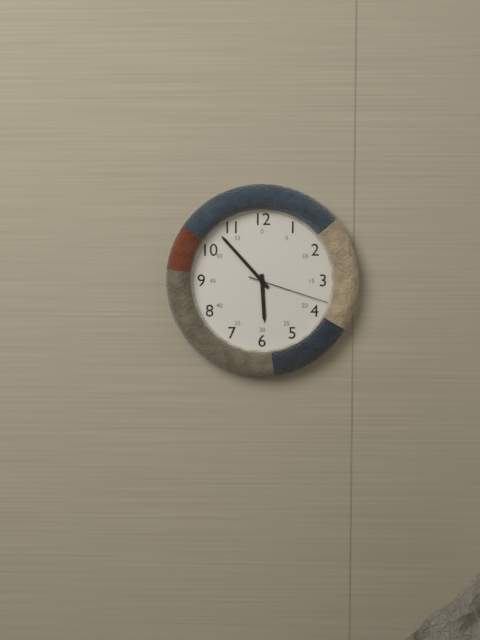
5:53:18
